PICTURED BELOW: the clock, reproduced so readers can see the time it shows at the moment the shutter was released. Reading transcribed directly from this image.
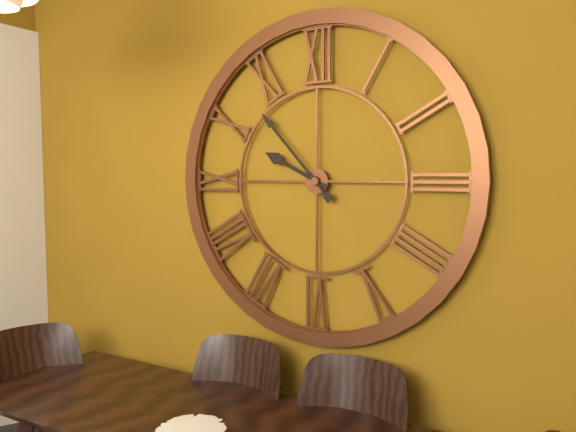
9:53
